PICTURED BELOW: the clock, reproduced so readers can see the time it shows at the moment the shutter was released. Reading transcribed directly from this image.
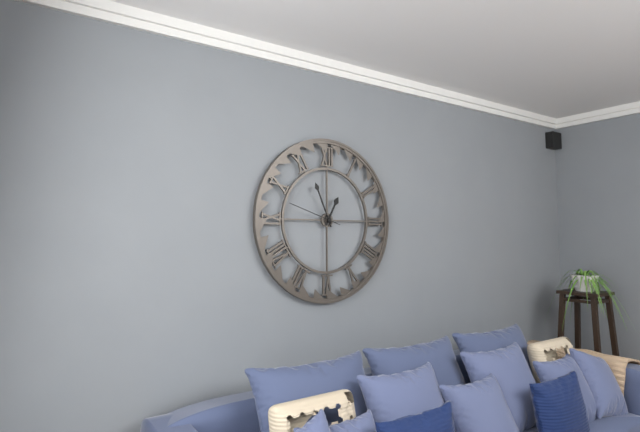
12:56:48
